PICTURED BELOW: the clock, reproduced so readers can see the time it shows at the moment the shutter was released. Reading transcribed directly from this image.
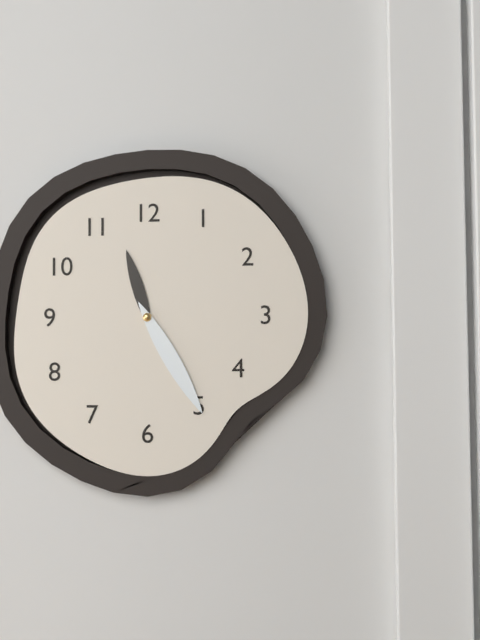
11:25
